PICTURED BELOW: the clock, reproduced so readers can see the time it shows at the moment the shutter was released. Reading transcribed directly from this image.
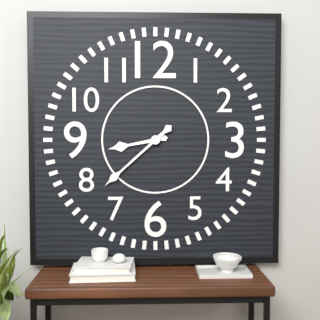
8:38
